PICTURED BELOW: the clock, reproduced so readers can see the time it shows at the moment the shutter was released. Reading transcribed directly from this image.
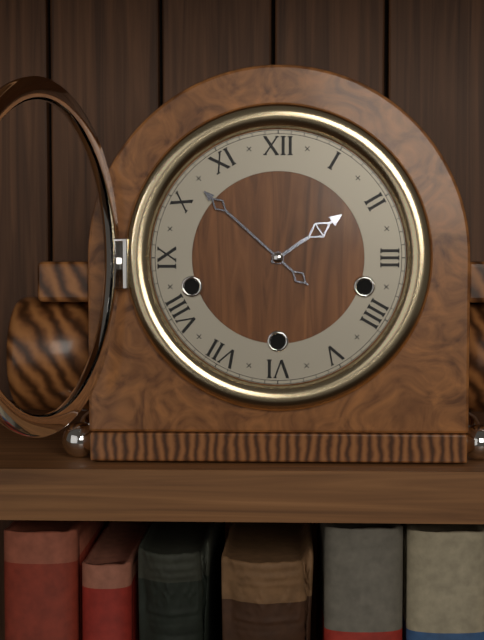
1:52
